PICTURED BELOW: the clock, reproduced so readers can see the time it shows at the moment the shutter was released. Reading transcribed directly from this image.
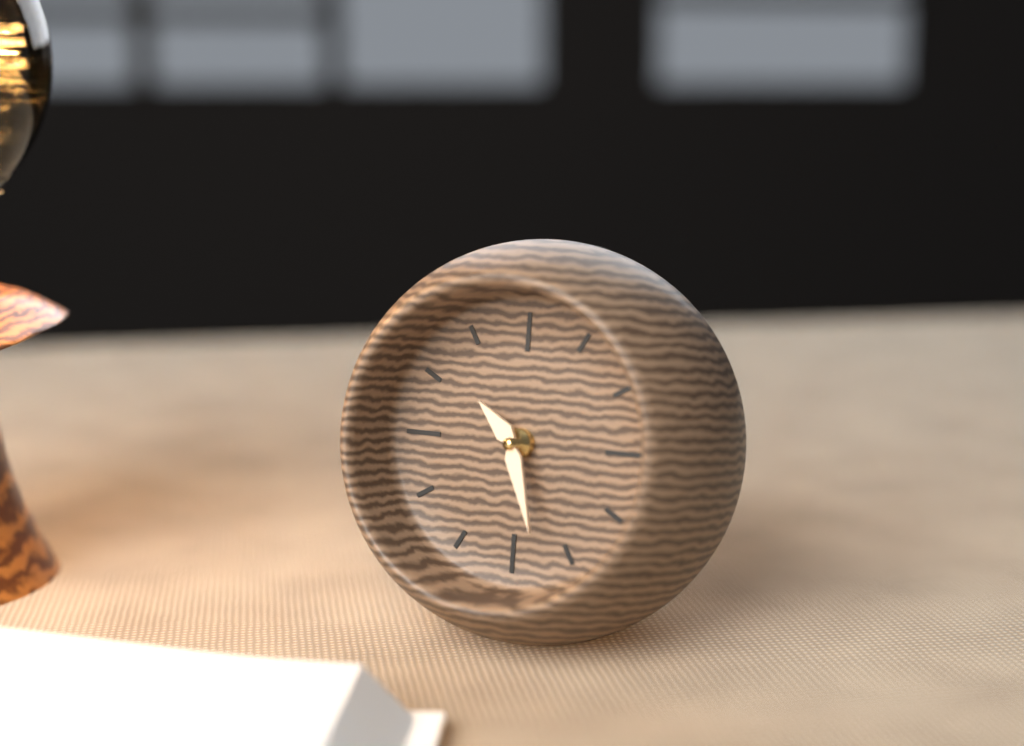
10:27
